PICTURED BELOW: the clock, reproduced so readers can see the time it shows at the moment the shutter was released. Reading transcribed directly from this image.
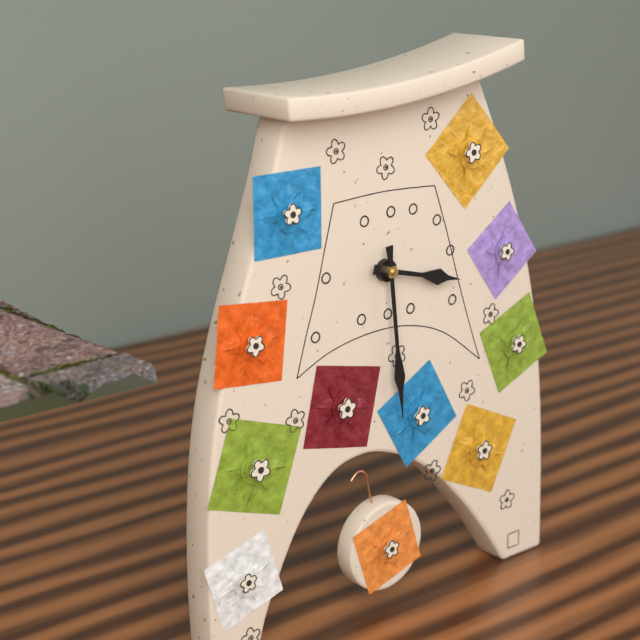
3:29
